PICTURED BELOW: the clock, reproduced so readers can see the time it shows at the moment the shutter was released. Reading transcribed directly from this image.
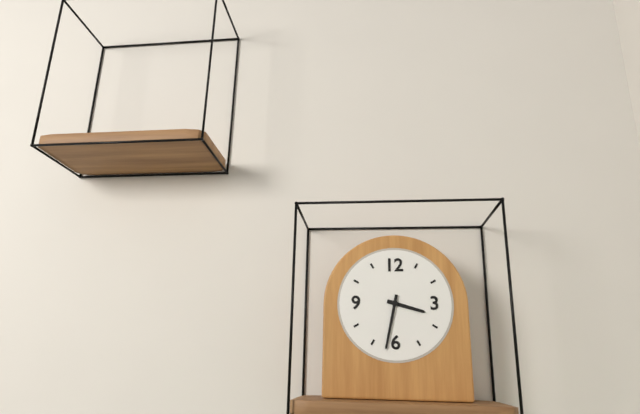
3:32
